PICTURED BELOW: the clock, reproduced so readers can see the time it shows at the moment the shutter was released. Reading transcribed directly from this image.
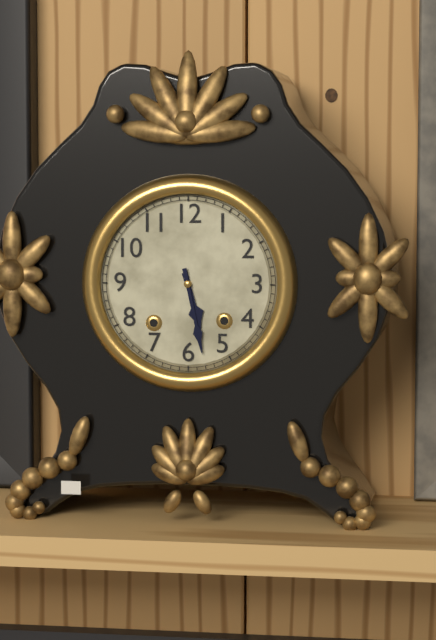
5:28
